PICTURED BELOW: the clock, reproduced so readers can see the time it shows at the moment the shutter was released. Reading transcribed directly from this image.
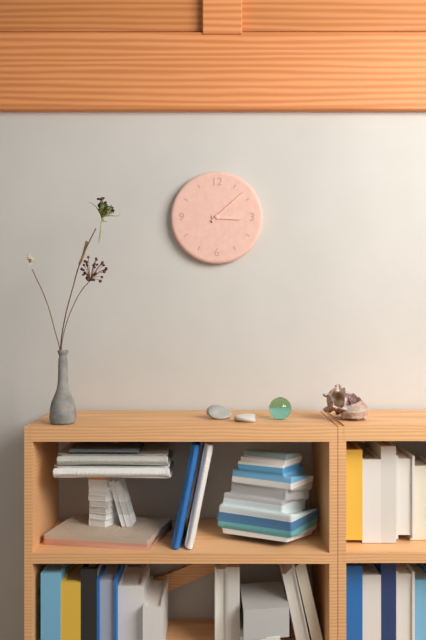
3:08
